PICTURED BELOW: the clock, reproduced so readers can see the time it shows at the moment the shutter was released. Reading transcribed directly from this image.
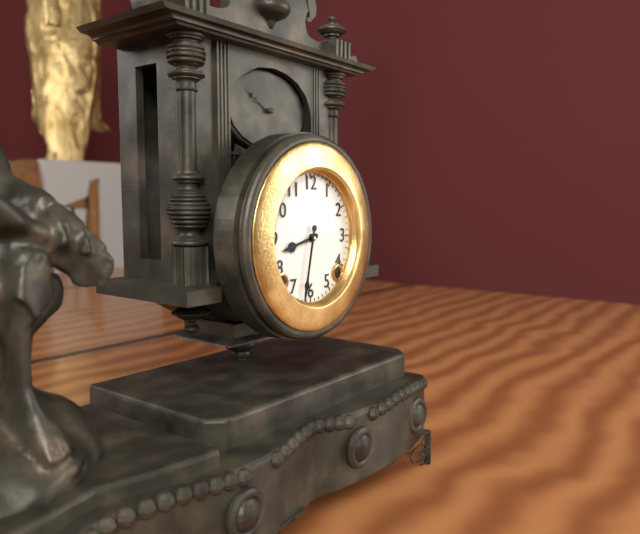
8:32
